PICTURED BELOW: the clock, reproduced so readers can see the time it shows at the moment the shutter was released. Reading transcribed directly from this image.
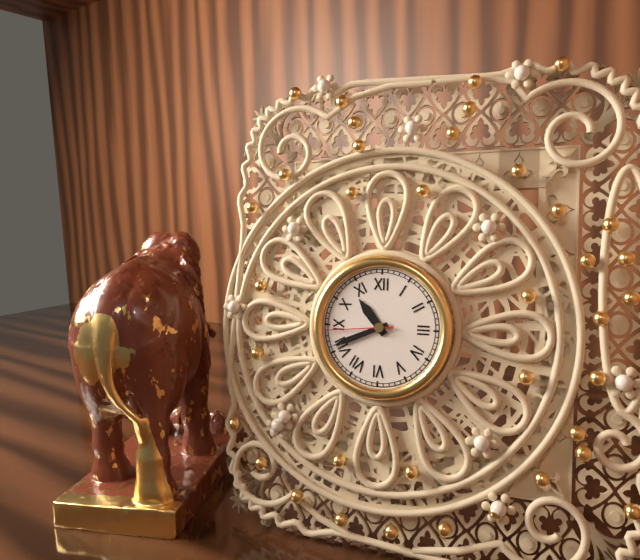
10:41:44
